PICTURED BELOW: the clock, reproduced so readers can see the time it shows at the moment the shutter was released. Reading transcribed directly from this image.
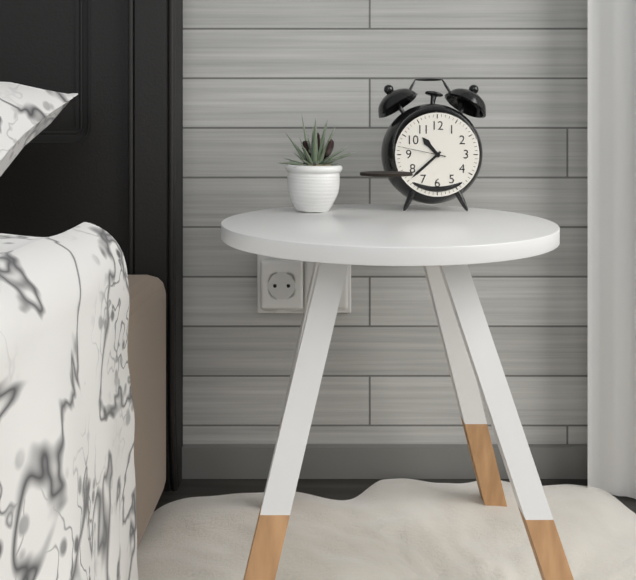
10:38
